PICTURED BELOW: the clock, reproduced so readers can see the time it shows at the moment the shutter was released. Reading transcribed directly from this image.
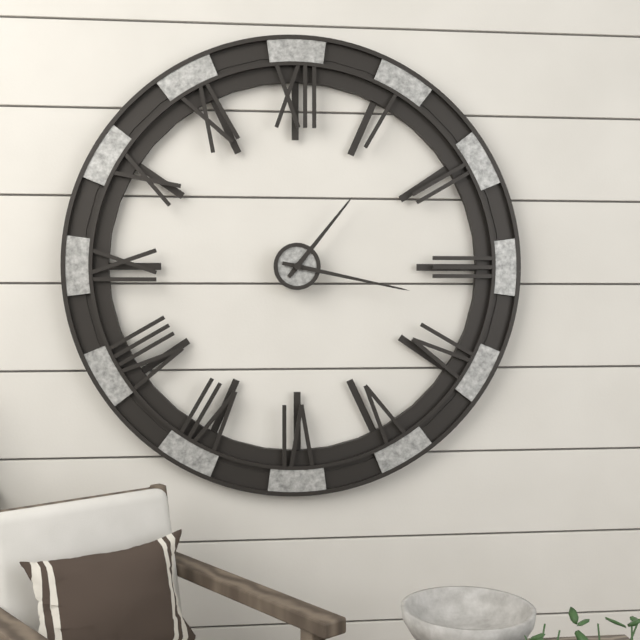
1:17
